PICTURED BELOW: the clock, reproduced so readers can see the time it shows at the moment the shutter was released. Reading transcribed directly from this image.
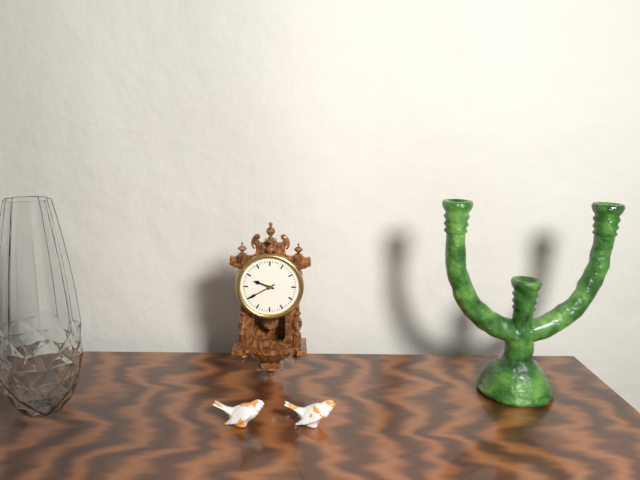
9:40
